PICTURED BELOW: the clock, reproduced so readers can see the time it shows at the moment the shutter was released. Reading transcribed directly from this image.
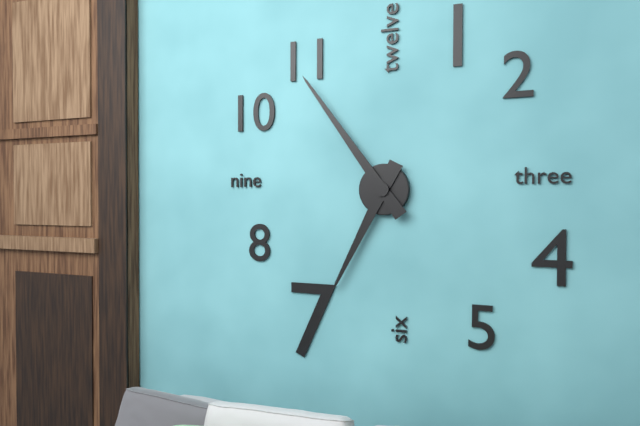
6:54
